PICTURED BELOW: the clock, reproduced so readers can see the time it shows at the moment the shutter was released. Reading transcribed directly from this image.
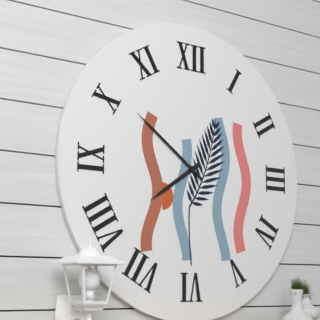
7:51
